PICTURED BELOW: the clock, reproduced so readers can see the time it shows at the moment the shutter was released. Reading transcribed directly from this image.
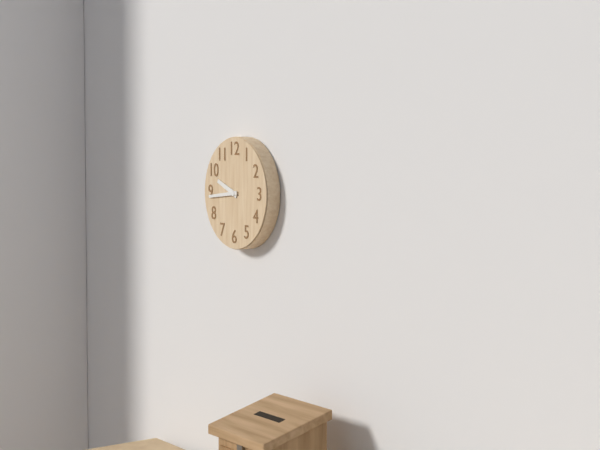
9:44
